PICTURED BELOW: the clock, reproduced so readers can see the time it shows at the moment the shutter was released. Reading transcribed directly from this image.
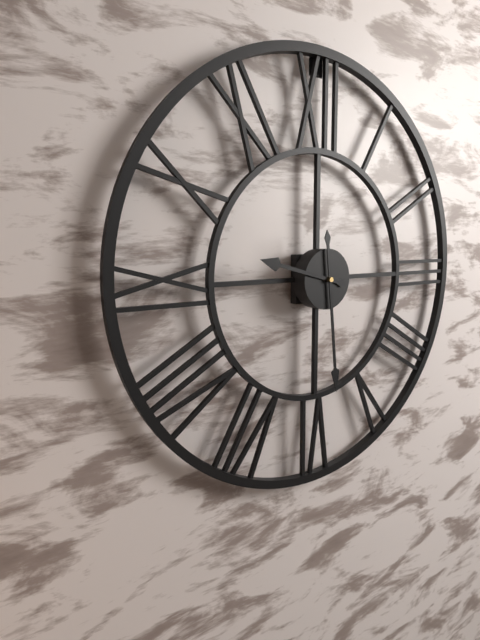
9:29
